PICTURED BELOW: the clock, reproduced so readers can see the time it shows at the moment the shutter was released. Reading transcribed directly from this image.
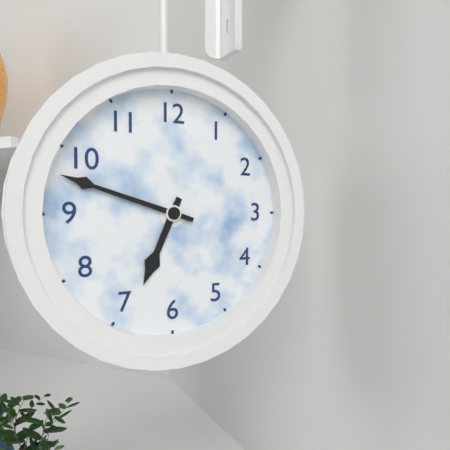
6:48
